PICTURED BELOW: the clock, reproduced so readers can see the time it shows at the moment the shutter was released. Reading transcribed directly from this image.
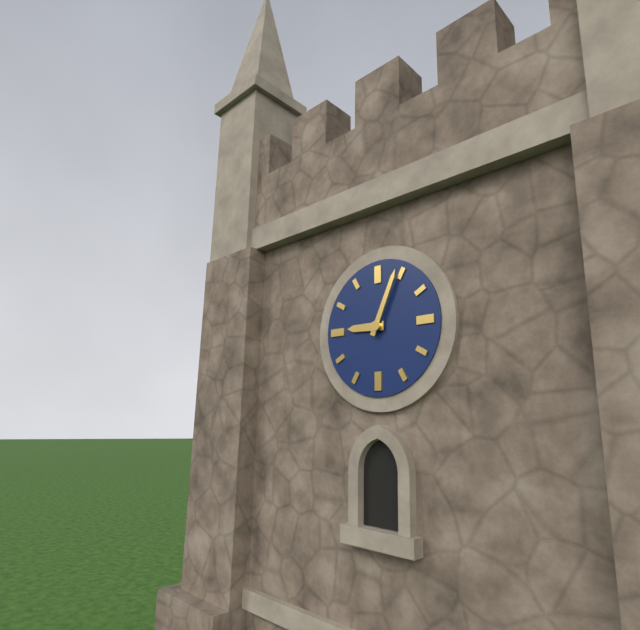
9:04
